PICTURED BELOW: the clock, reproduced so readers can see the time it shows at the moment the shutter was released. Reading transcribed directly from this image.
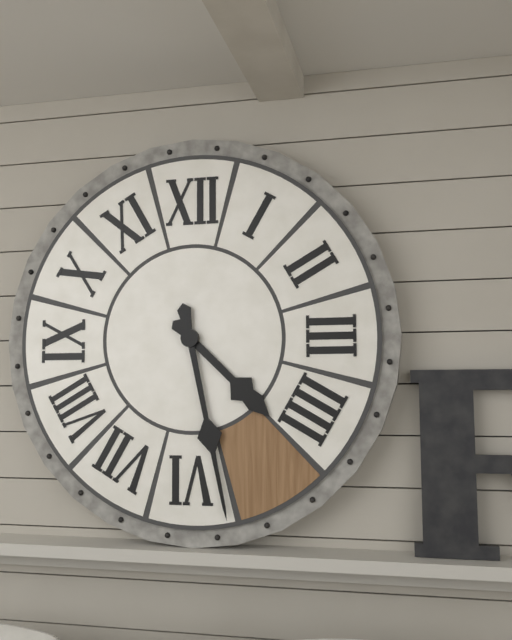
4:28
